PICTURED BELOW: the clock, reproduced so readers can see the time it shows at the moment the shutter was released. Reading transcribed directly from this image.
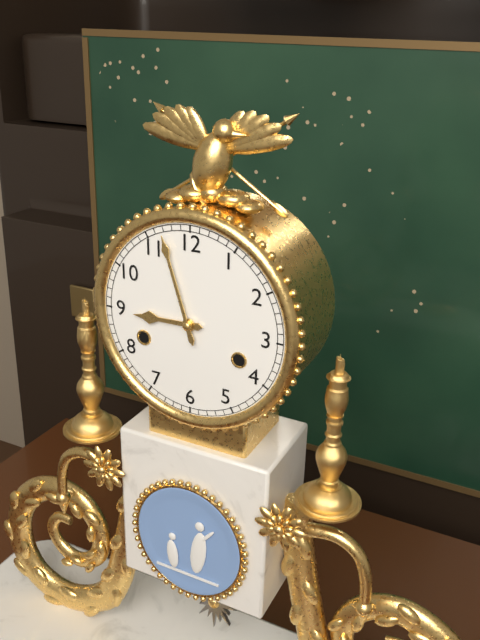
8:57
